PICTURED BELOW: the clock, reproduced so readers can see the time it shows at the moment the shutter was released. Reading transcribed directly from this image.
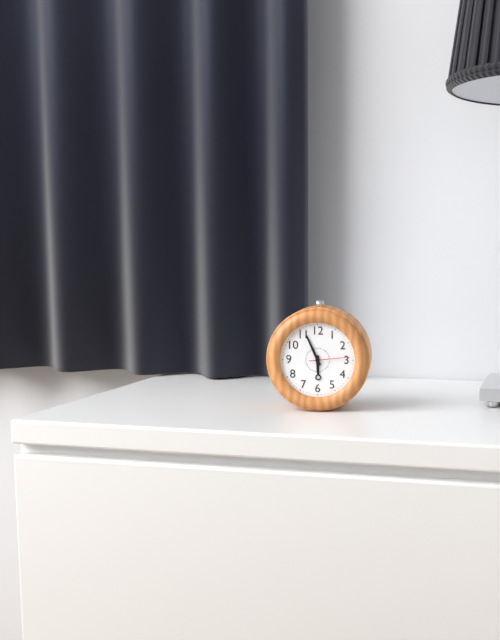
5:56
